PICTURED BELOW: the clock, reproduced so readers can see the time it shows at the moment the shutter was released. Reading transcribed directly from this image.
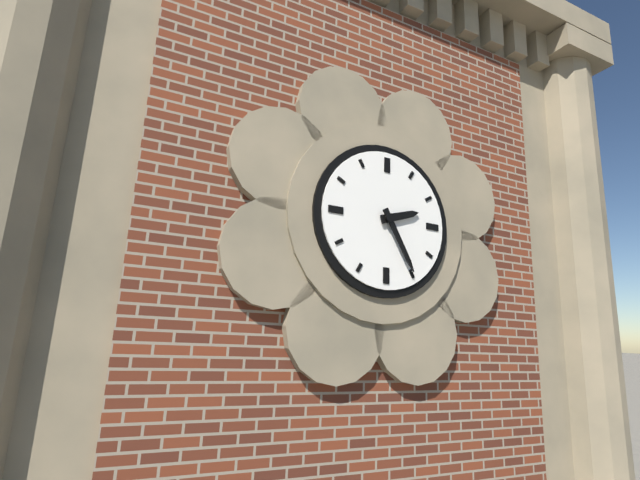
2:25
